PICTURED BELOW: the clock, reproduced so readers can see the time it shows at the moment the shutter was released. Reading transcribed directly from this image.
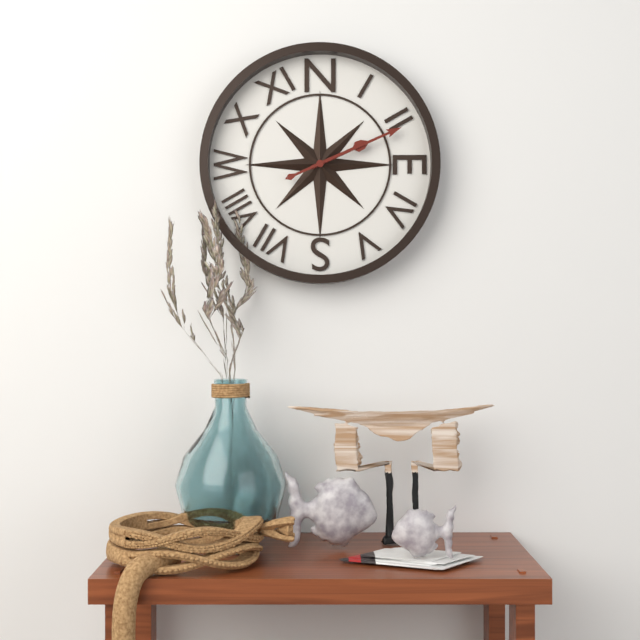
2:11
